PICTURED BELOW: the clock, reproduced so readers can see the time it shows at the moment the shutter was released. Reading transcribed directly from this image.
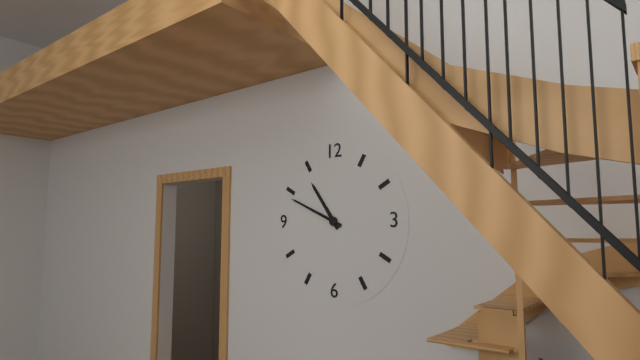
10:49
